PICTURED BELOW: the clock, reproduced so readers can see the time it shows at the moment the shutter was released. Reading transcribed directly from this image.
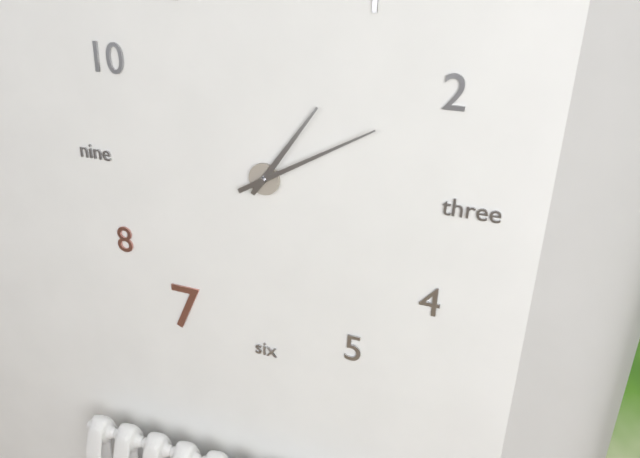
1:10
